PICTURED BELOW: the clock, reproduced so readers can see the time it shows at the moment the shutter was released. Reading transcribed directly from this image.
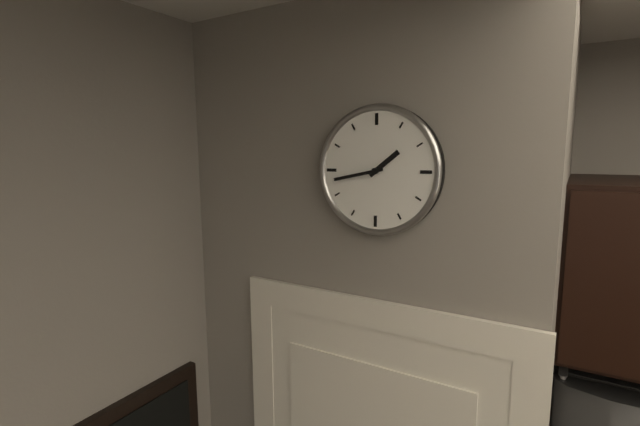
1:43
